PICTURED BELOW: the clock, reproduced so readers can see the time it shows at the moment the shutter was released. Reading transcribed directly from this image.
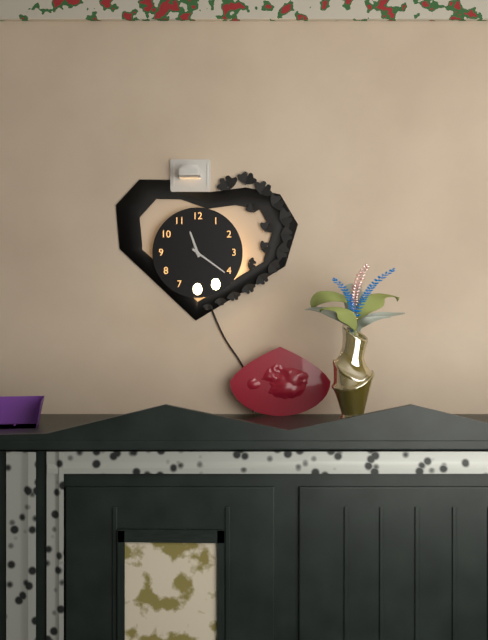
11:21
